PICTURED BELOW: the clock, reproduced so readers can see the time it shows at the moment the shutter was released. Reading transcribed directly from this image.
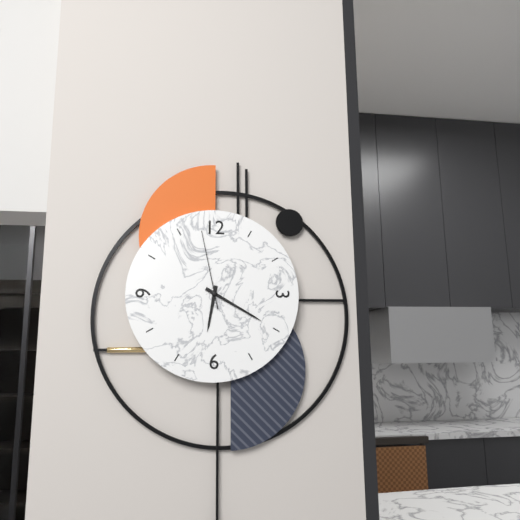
6:20:58
